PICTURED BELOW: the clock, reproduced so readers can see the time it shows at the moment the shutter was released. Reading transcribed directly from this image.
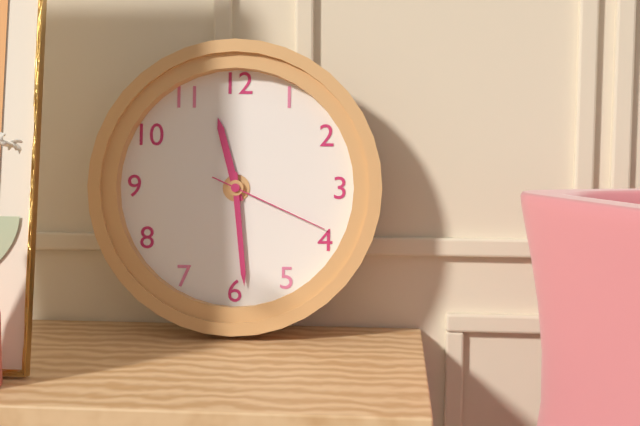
11:29:19
